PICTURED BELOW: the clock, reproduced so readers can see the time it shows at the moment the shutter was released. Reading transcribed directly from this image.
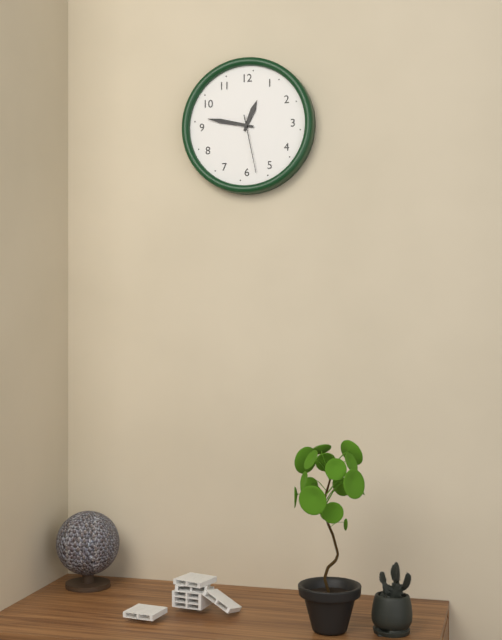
12:47:28
